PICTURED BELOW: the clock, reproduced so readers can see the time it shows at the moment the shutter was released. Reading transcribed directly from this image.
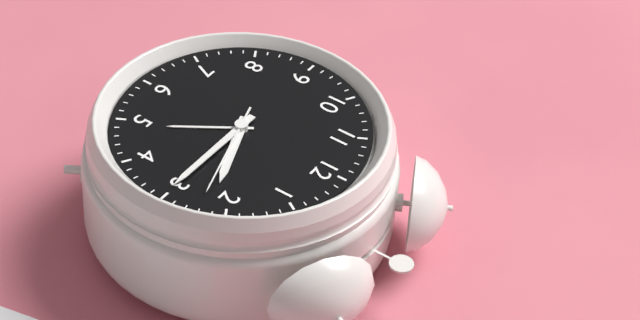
2:15:12
